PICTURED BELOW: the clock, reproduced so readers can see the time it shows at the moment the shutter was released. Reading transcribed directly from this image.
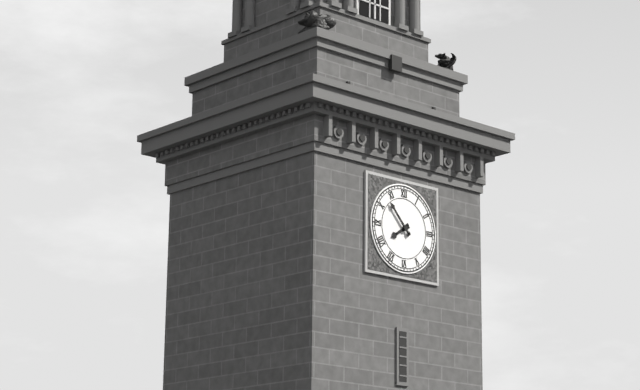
7:53
